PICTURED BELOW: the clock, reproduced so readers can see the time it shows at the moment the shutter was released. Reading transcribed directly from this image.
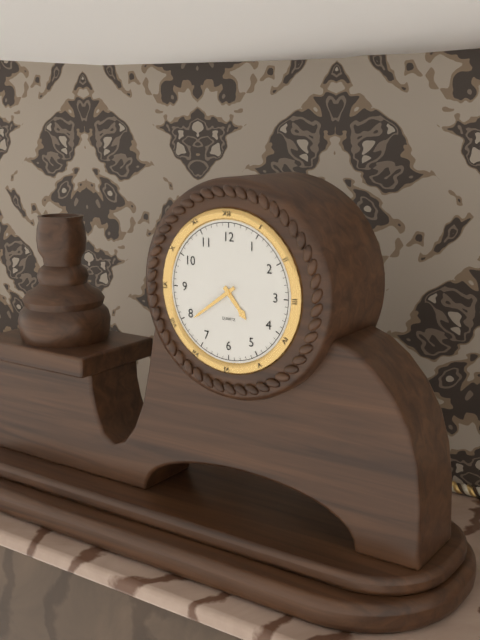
4:39
